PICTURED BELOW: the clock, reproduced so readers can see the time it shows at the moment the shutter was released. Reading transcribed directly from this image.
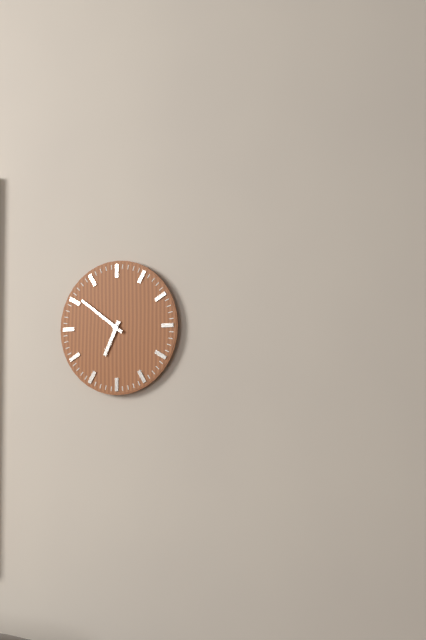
6:51
